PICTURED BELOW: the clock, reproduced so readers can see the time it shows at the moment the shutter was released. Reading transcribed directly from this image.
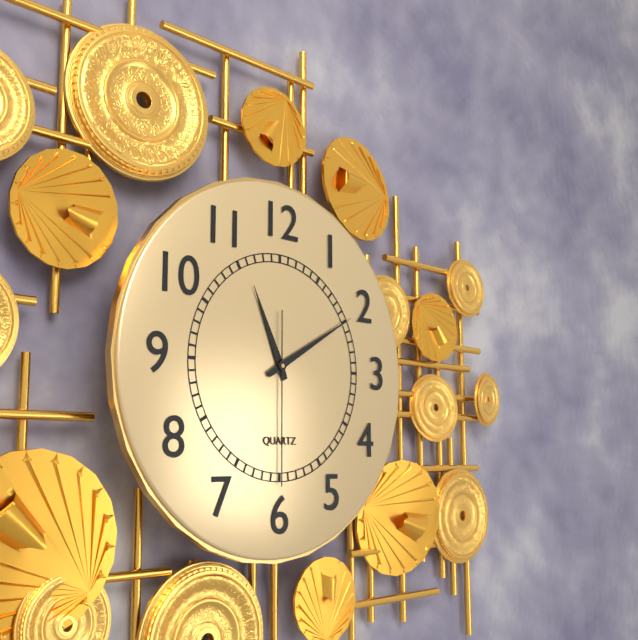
11:10:30
